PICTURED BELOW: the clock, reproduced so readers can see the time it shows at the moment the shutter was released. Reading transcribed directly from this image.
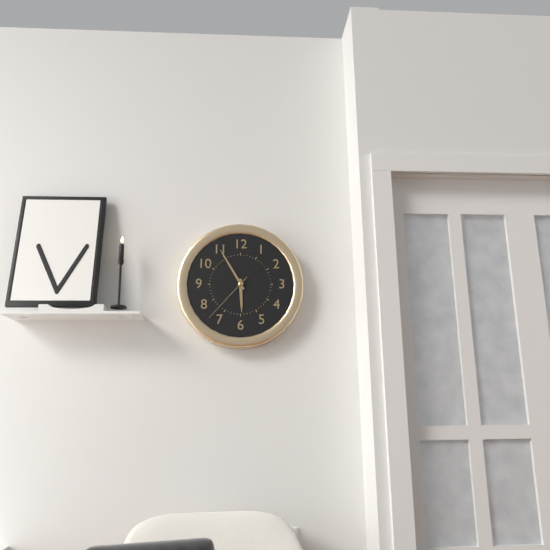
5:55:37
